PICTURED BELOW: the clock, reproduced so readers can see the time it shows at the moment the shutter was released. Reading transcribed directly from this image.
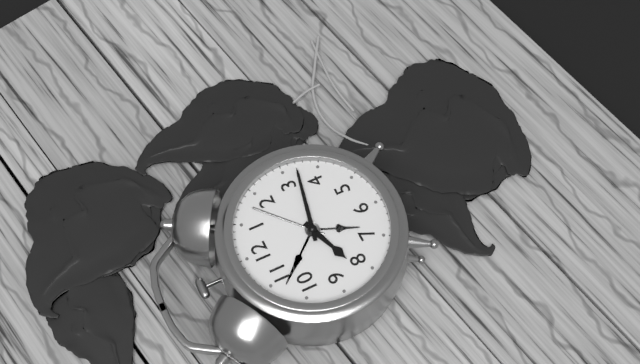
8:17
